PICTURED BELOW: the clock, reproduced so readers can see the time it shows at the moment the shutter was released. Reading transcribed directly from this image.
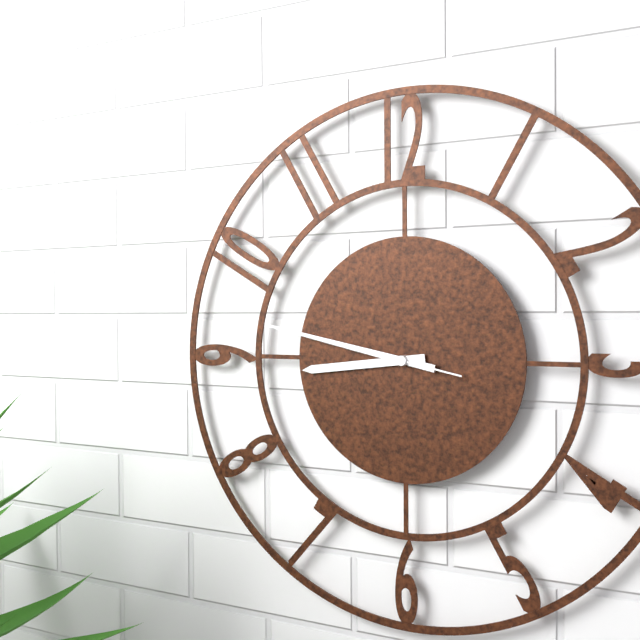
8:47:47
